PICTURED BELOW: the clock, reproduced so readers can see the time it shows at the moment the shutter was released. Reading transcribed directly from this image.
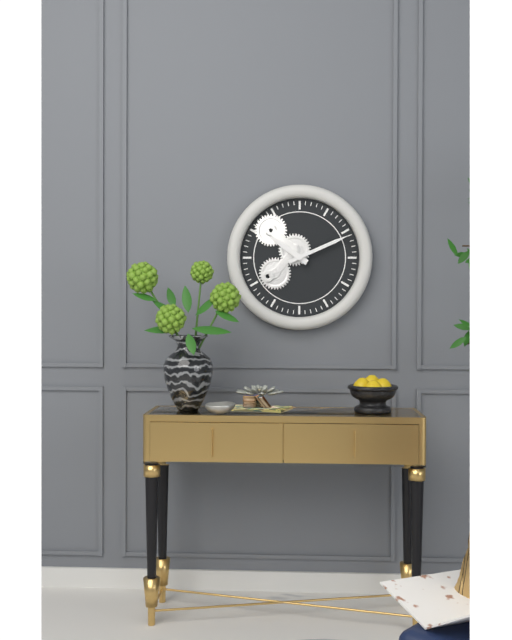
10:11
